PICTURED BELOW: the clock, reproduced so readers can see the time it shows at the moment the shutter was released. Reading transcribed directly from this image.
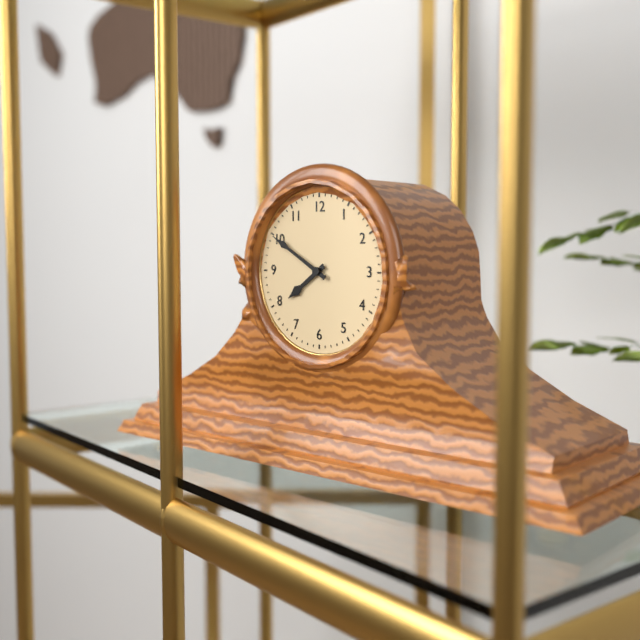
7:50
